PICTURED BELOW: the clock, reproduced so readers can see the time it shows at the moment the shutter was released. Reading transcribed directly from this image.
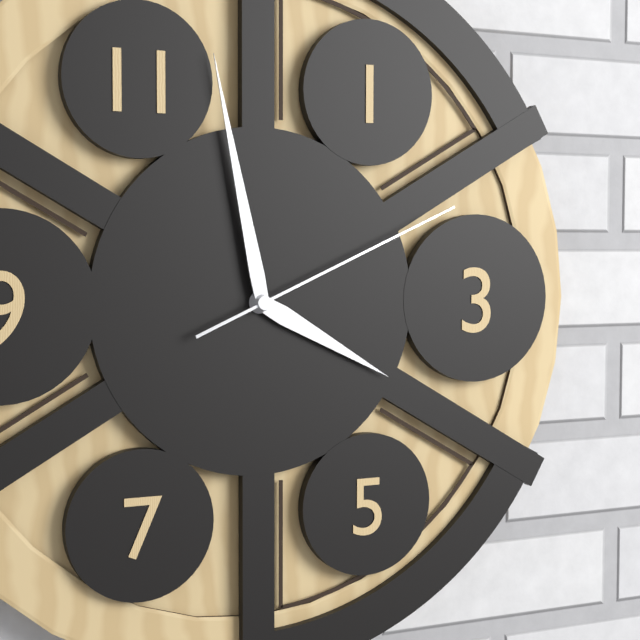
3:58:11
